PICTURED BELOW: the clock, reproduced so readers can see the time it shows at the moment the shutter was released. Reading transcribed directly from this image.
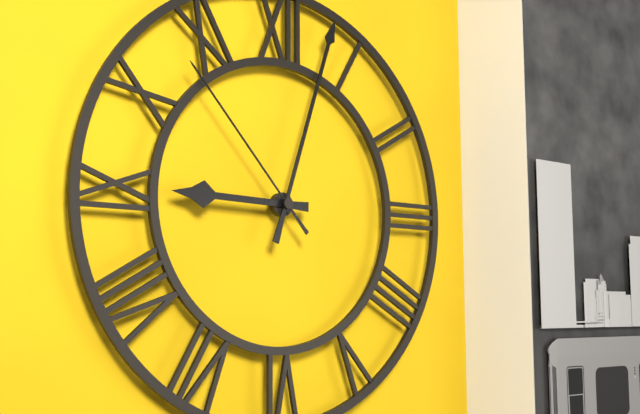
9:03:53
